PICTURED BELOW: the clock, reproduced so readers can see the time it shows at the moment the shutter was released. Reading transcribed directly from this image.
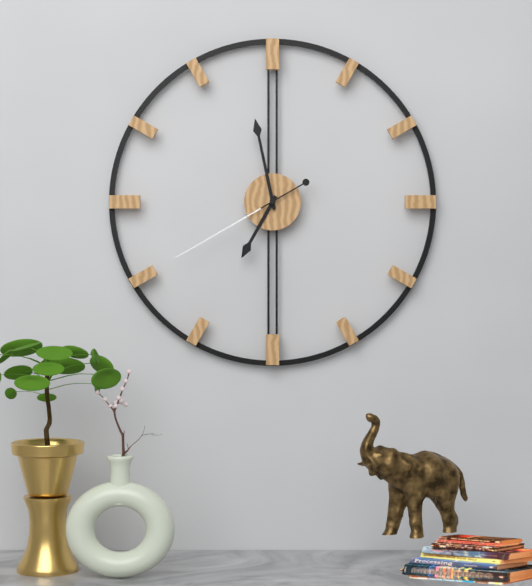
6:58:40
